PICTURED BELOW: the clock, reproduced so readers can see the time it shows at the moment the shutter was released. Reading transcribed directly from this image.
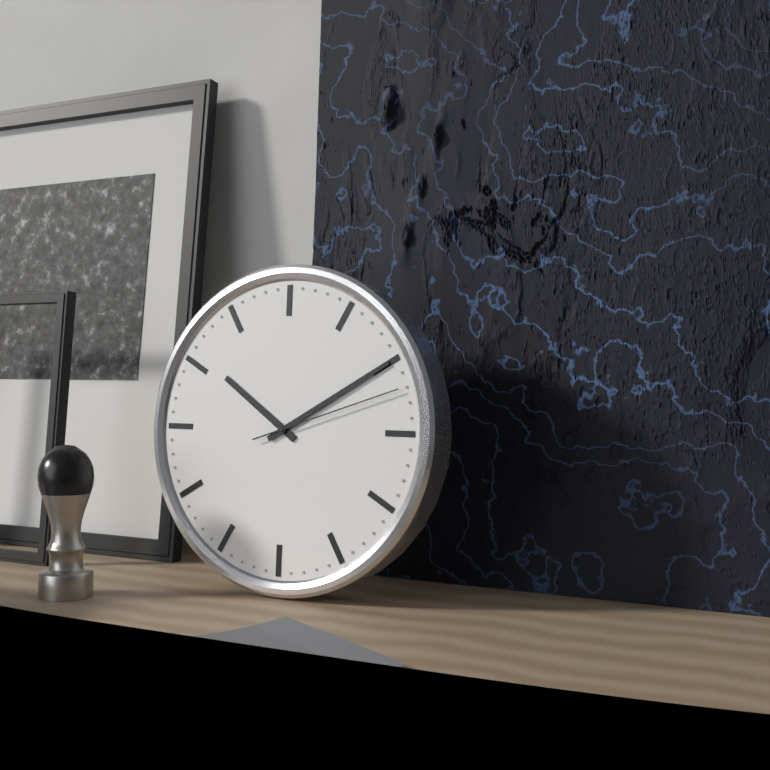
10:10:12
